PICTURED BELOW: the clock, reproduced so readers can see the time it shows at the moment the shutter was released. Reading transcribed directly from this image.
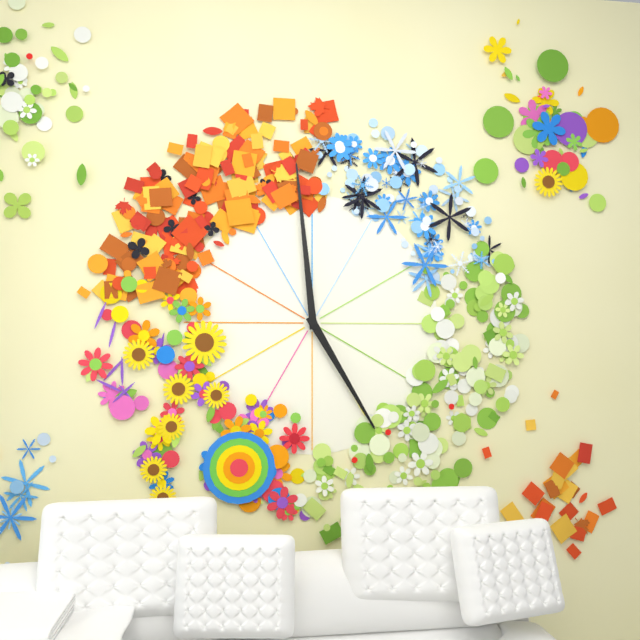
4:59
